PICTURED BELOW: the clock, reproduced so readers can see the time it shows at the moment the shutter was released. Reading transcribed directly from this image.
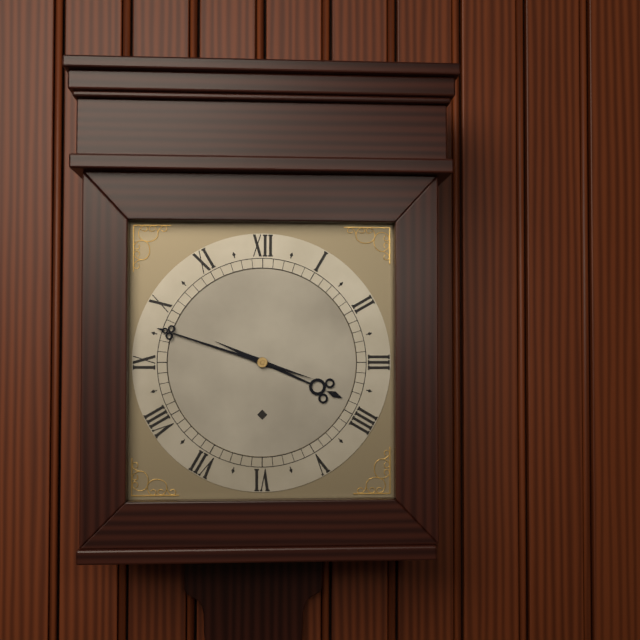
3:48
